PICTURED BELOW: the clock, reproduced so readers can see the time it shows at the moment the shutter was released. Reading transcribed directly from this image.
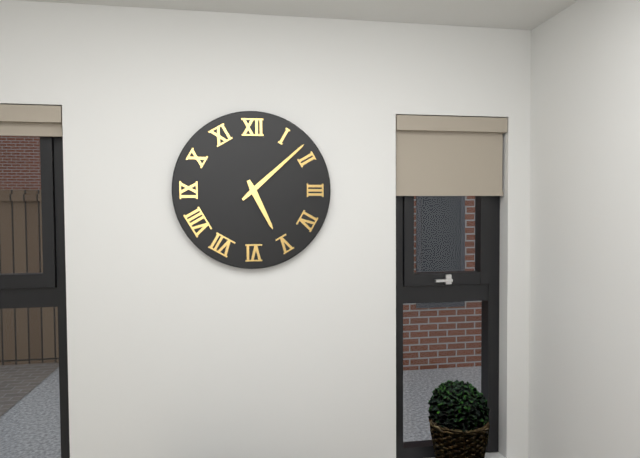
5:08
